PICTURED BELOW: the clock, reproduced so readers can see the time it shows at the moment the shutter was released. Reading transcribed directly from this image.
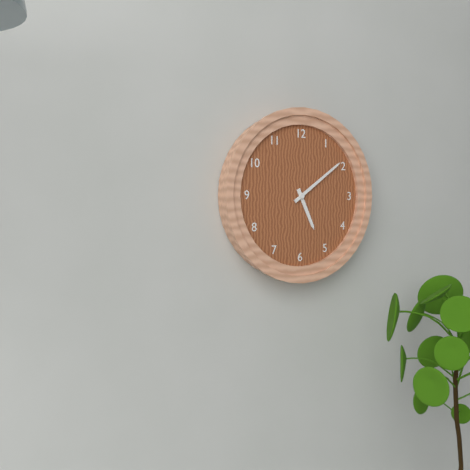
5:09
